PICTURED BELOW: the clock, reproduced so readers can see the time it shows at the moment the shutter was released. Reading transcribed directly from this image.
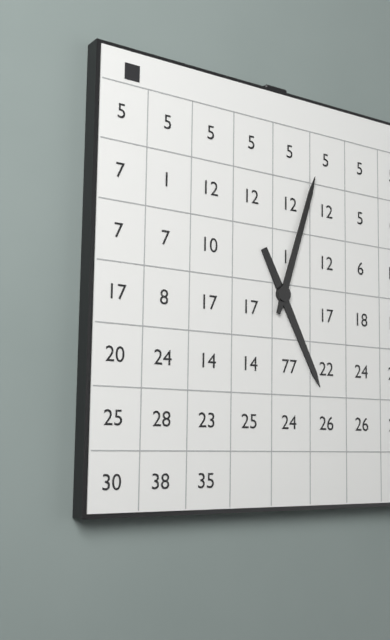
5:03
